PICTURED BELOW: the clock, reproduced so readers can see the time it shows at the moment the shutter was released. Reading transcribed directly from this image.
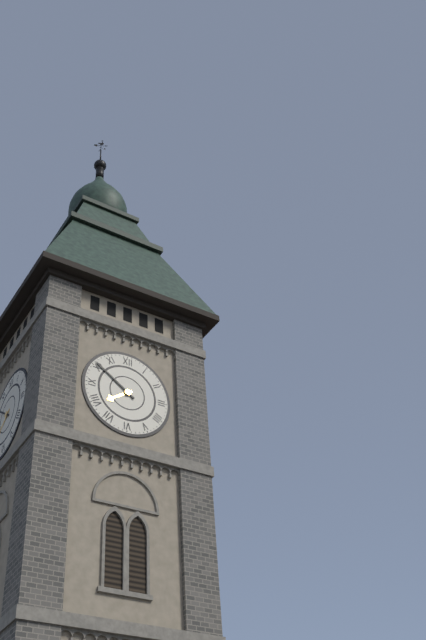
7:51
